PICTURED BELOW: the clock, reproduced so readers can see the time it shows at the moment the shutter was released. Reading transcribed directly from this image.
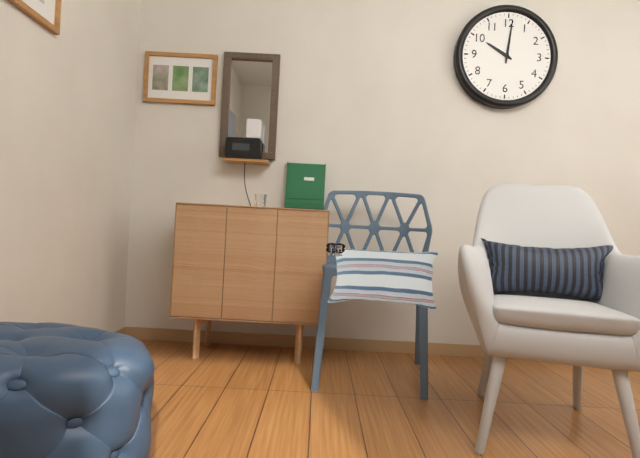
10:01
